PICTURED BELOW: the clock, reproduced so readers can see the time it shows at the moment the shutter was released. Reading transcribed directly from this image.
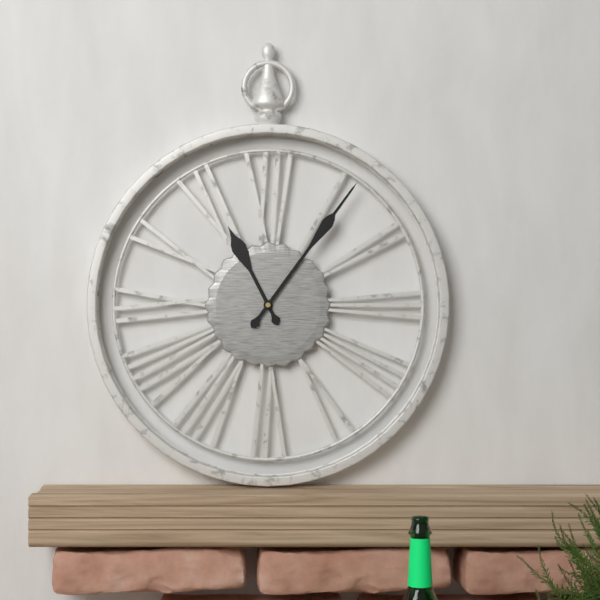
11:06
